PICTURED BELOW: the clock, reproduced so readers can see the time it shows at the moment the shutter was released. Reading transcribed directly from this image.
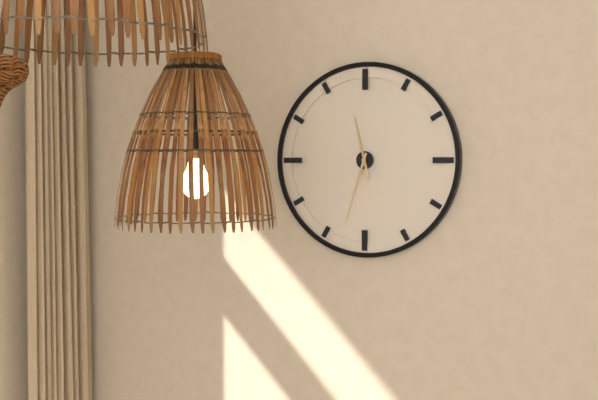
11:33
